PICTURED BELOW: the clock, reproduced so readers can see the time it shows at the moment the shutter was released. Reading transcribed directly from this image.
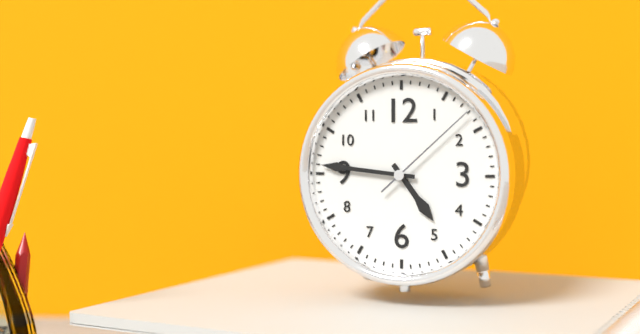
4:46:08
